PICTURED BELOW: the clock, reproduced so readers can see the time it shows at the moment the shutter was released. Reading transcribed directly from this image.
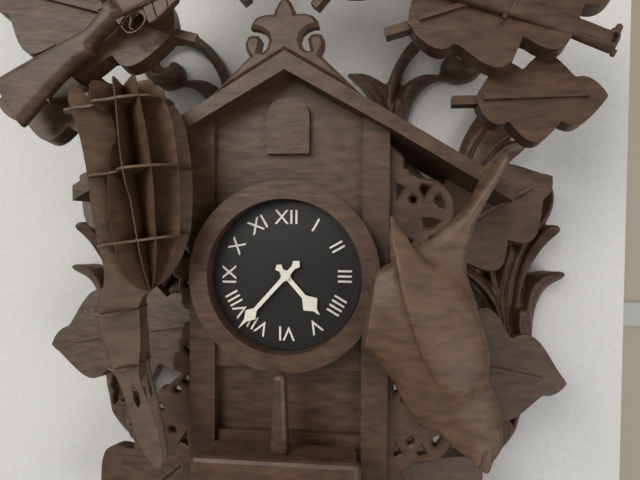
4:37
